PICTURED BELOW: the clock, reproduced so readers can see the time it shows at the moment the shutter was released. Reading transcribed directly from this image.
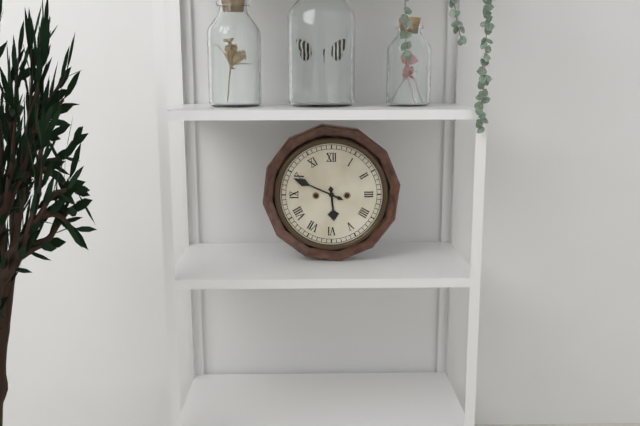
5:49
